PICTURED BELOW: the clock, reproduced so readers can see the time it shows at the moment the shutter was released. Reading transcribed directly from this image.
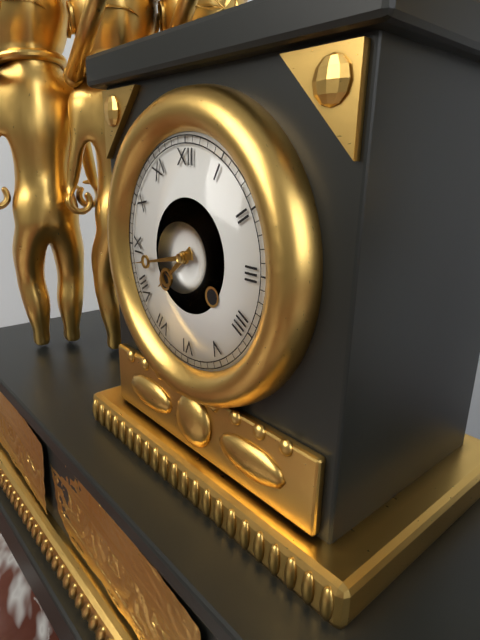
7:43
